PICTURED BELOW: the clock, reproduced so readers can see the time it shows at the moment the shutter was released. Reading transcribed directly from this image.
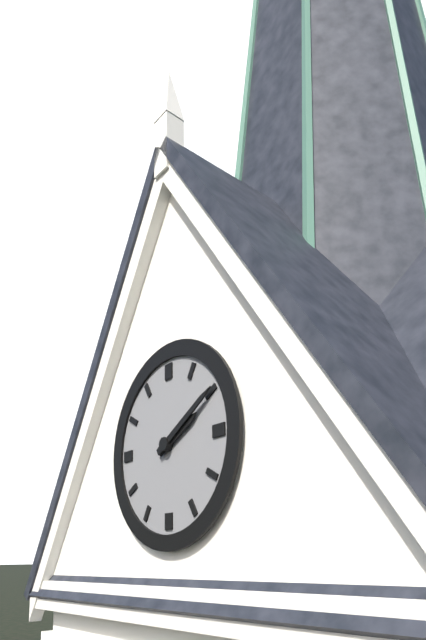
2:10
